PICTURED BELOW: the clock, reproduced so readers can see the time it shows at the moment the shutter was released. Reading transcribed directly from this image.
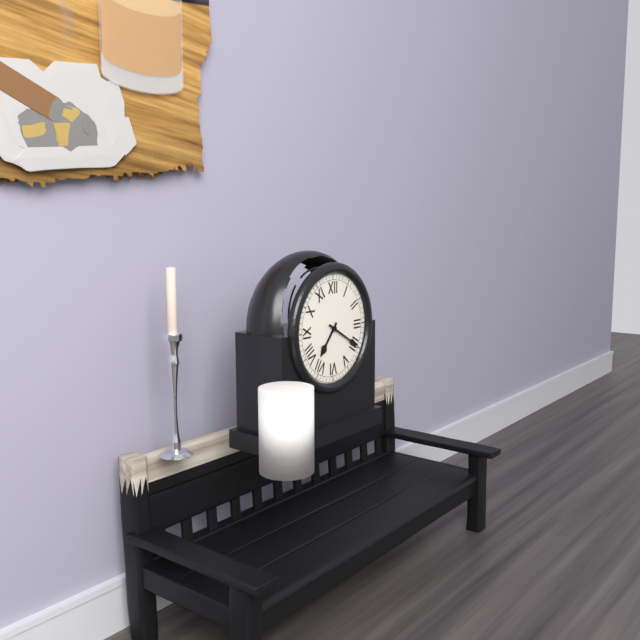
7:20
